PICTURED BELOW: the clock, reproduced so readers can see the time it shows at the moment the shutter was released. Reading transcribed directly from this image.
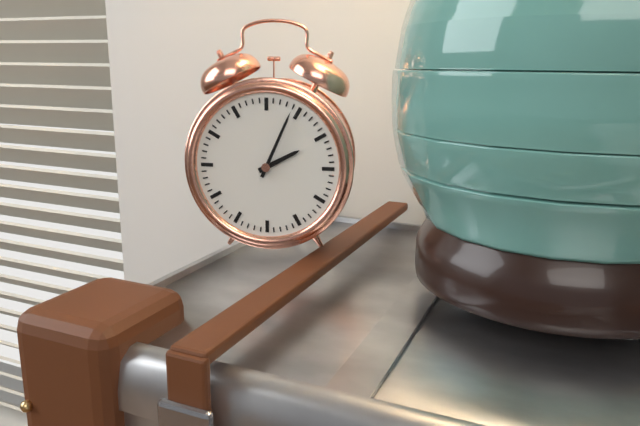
2:04
